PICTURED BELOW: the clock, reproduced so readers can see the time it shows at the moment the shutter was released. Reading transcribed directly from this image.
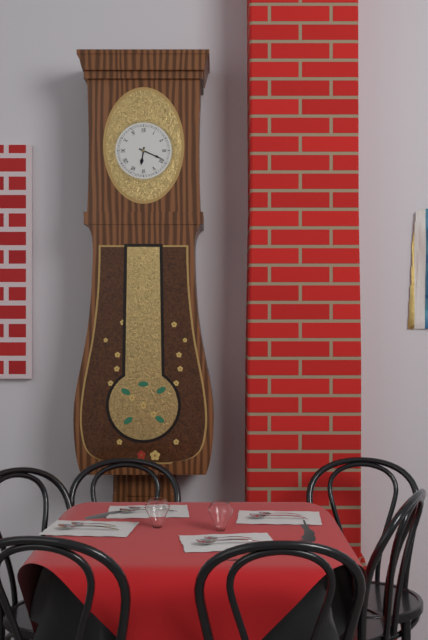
6:19
